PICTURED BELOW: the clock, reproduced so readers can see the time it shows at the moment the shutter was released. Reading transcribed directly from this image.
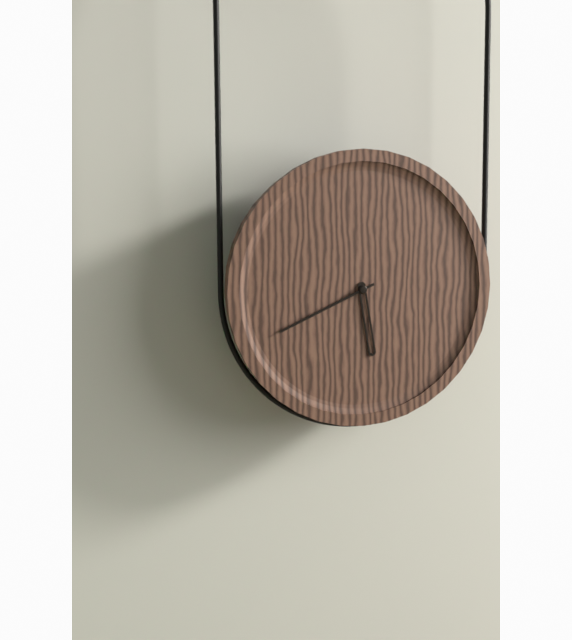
5:41
